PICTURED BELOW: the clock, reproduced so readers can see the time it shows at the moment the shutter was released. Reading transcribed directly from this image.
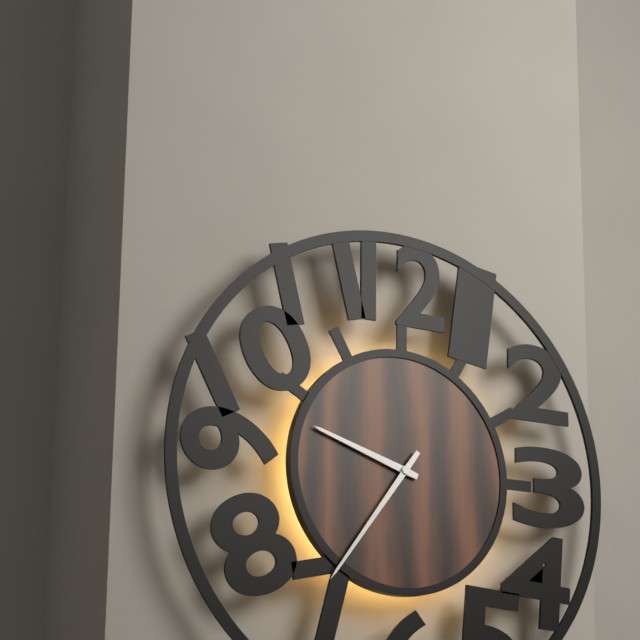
9:36
